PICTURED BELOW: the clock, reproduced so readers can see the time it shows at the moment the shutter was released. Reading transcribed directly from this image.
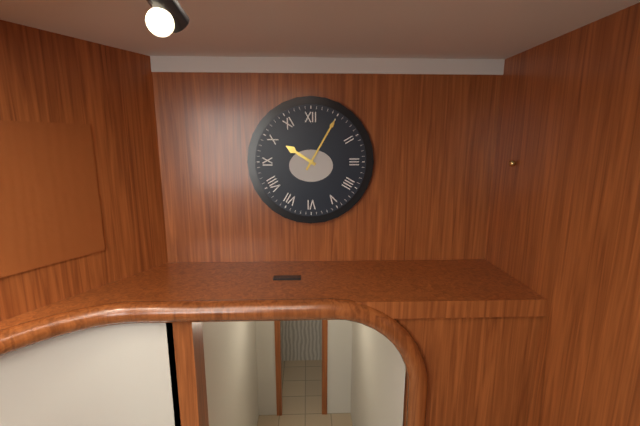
10:05
